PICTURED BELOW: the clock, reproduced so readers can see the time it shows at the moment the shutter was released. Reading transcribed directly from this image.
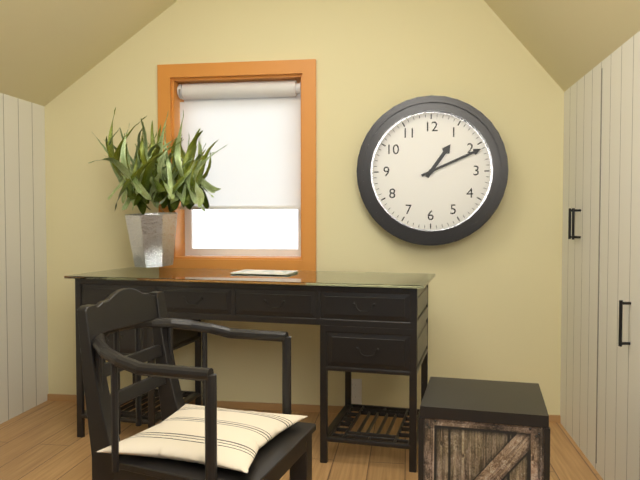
1:11
